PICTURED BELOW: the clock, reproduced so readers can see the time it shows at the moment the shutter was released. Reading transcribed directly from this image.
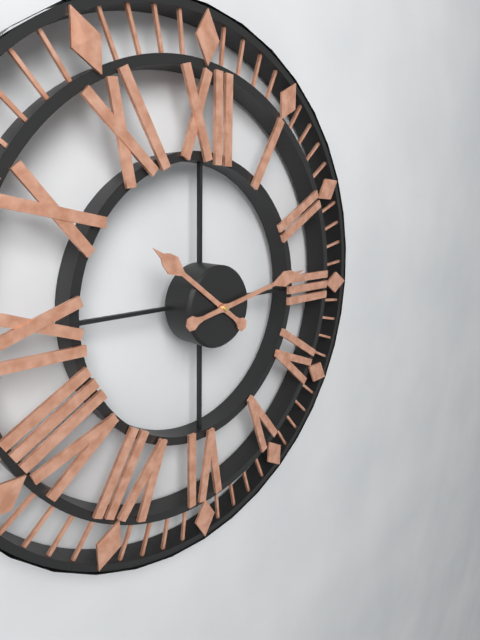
10:13
